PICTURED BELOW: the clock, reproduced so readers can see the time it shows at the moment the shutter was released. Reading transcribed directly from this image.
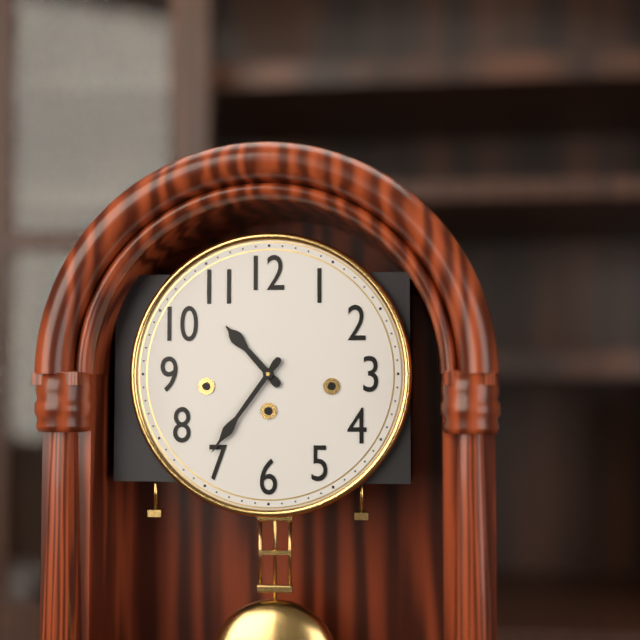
10:36
